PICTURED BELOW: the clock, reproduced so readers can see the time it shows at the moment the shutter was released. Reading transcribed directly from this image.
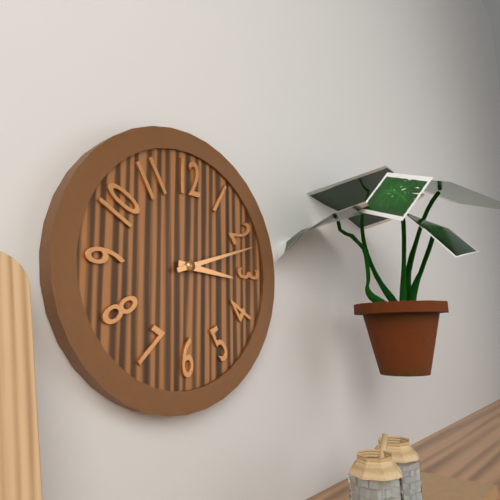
3:12
